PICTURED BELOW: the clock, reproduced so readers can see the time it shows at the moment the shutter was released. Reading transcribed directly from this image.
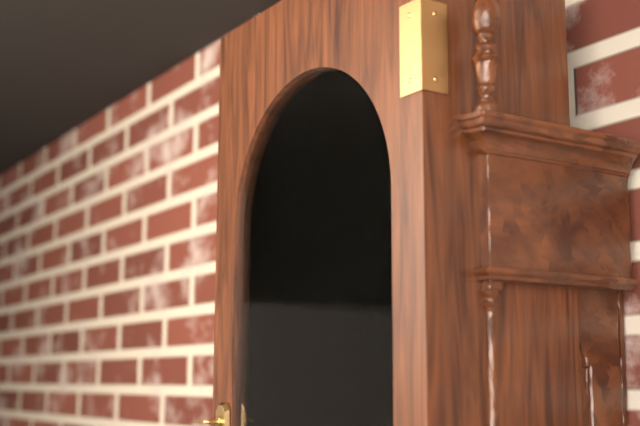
4:17
